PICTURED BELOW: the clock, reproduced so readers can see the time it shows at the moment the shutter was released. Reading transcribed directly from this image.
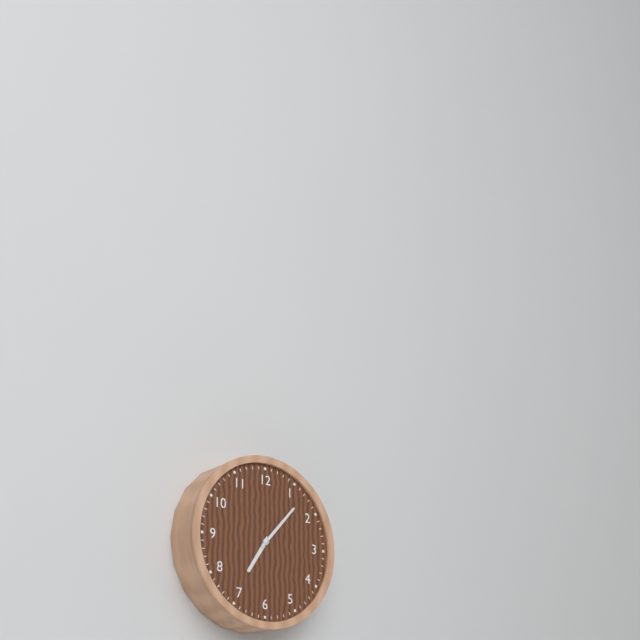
7:07
